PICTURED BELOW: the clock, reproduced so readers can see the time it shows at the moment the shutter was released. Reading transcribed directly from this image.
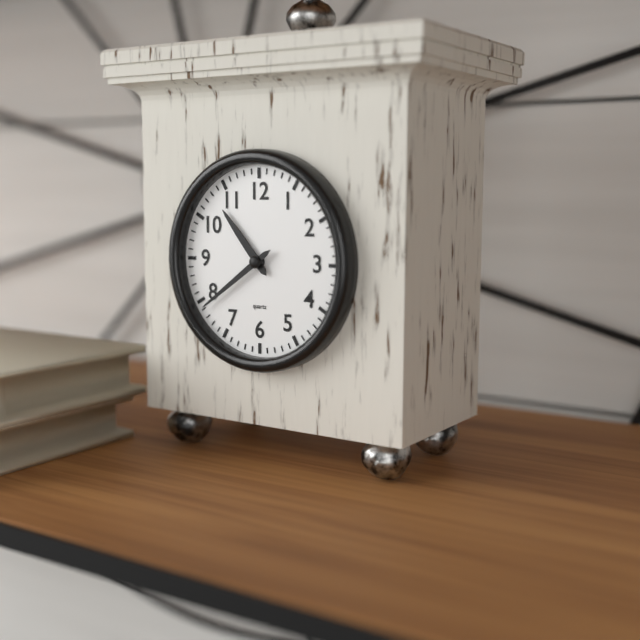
10:39
